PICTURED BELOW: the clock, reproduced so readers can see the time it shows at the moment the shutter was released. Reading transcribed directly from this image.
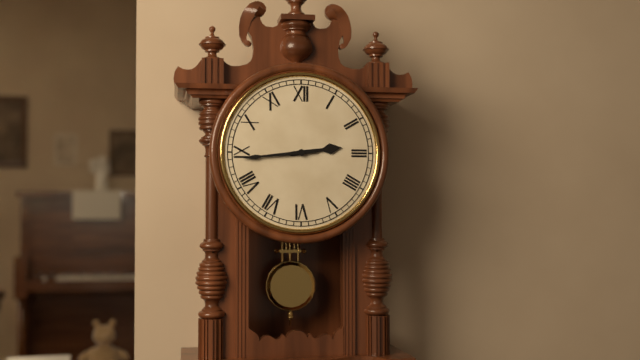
2:44
